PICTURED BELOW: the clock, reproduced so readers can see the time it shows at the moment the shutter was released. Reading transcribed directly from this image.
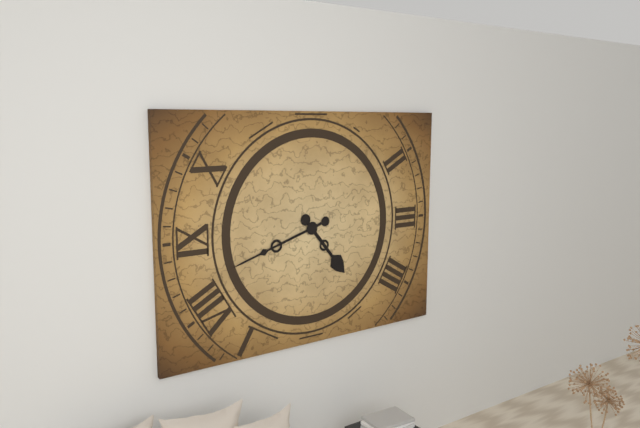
4:42
